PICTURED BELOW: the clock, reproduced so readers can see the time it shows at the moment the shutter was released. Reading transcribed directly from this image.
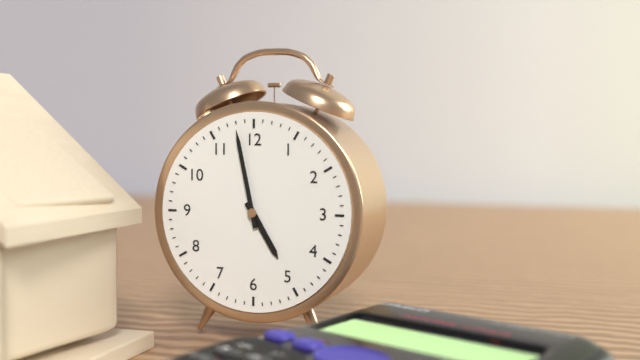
4:58
